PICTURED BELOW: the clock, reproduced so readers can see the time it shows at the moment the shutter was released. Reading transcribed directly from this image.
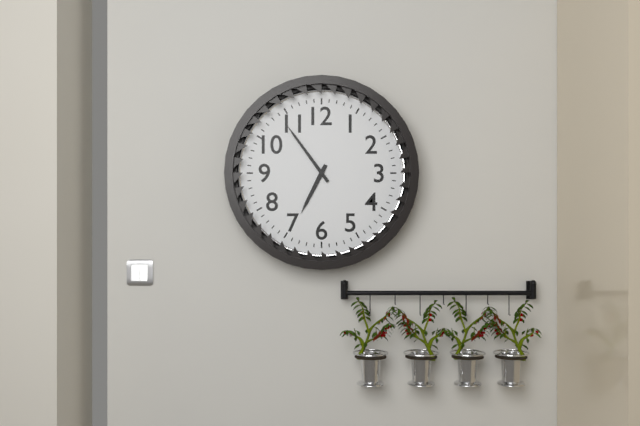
6:54
